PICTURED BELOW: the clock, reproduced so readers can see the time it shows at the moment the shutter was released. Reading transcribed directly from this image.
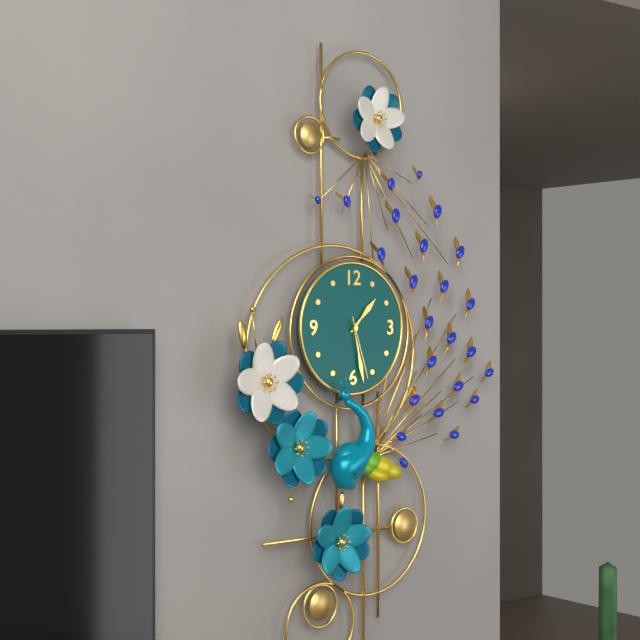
1:28:27
